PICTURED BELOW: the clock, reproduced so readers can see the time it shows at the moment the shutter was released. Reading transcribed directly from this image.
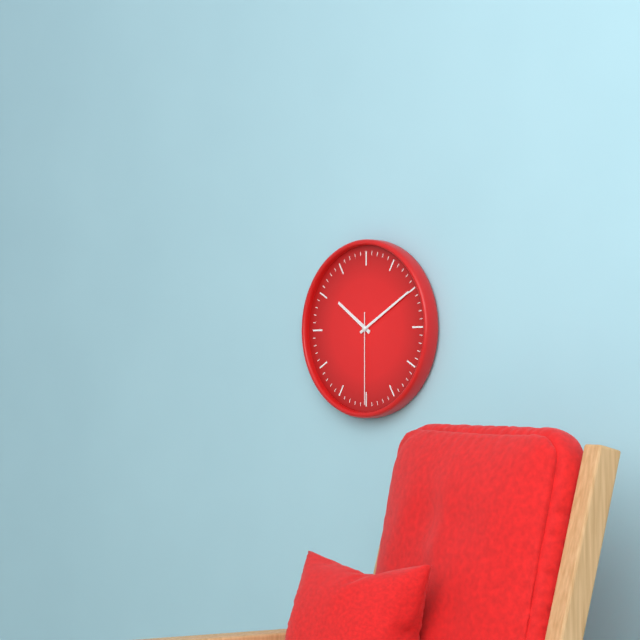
10:10:30
